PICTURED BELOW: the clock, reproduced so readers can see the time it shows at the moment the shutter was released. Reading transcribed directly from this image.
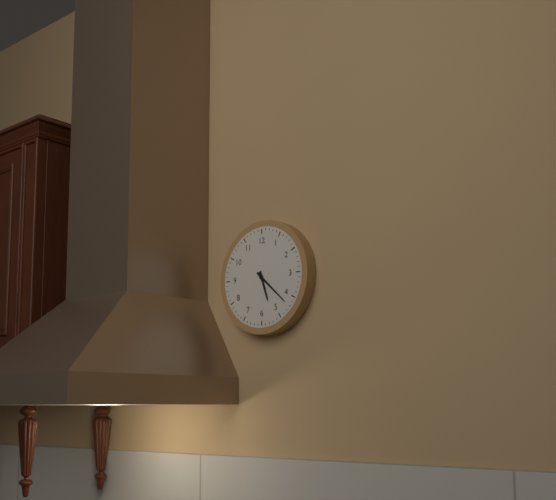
5:22
